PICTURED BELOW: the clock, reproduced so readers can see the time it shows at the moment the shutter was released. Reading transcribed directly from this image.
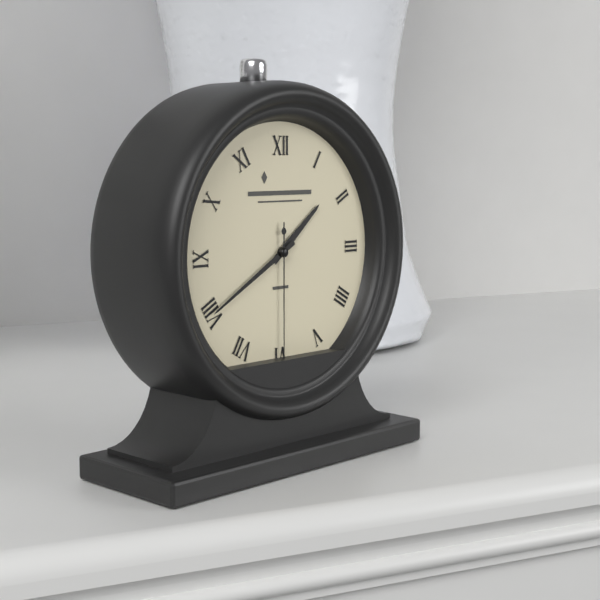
1:40:30
